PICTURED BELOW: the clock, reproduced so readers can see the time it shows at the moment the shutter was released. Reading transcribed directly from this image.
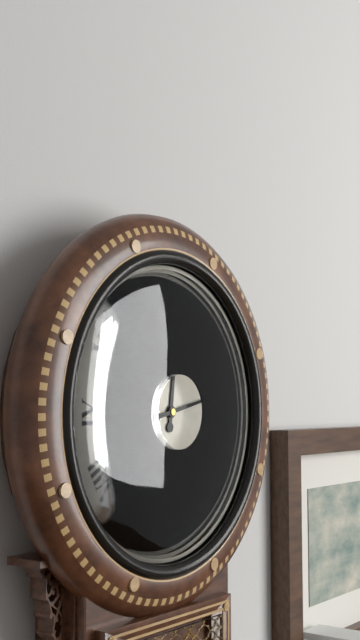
12:13
